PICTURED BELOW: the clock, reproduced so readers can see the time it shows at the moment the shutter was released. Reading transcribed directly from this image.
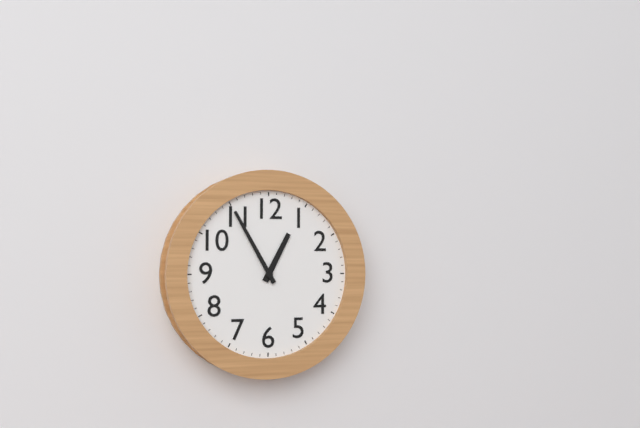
12:55
